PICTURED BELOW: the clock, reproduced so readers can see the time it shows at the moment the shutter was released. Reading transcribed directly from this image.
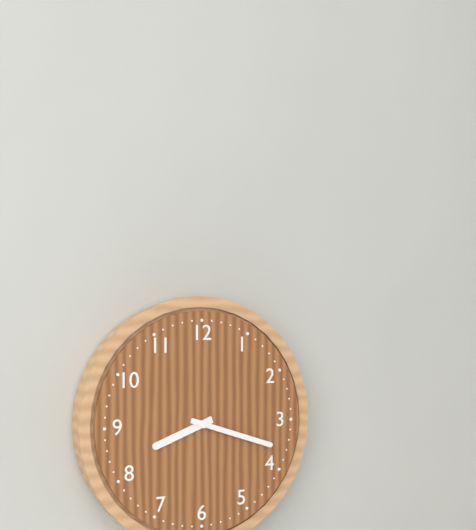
8:18
